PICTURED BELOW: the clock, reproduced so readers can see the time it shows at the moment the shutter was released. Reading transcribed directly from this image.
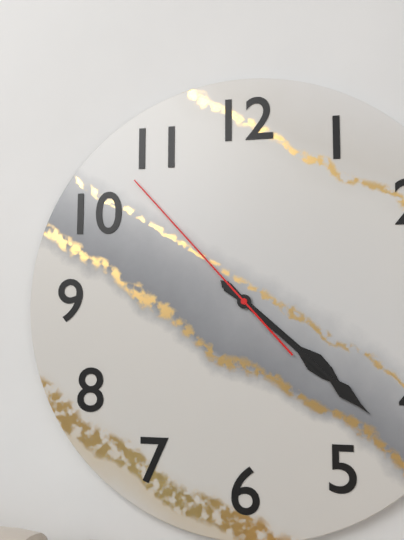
4:22:53
